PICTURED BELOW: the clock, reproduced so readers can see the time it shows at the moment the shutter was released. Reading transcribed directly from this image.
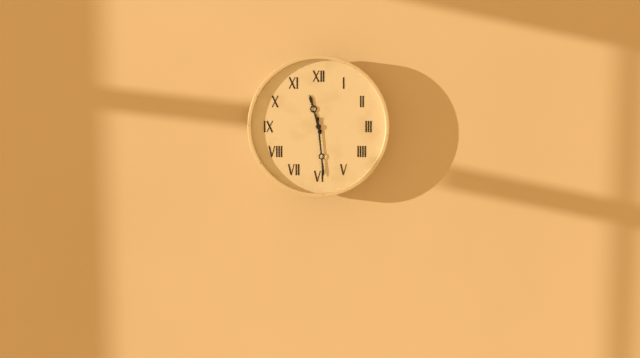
11:29
